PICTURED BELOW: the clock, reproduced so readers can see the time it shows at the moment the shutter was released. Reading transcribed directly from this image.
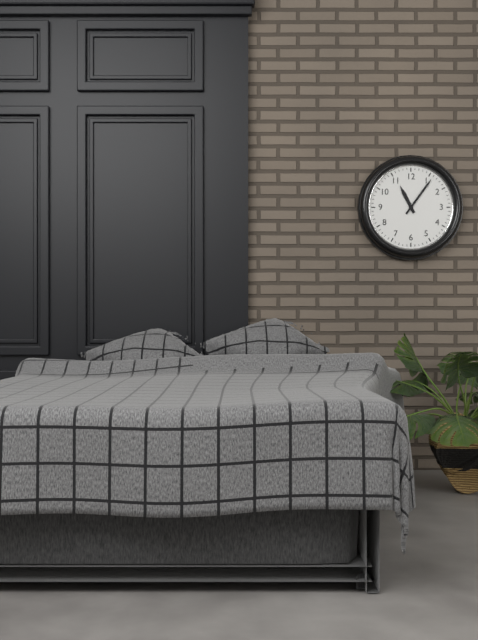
11:06
